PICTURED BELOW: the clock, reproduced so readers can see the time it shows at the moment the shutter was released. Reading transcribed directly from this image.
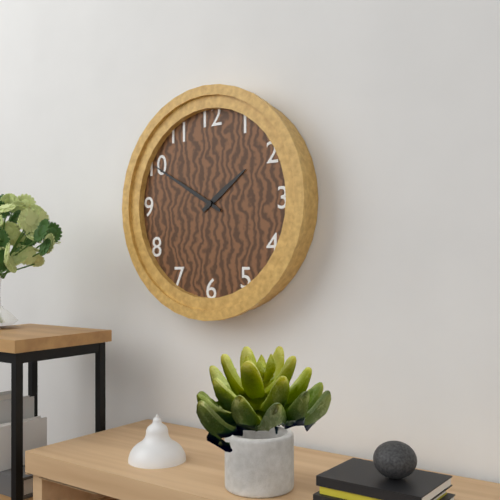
1:50
